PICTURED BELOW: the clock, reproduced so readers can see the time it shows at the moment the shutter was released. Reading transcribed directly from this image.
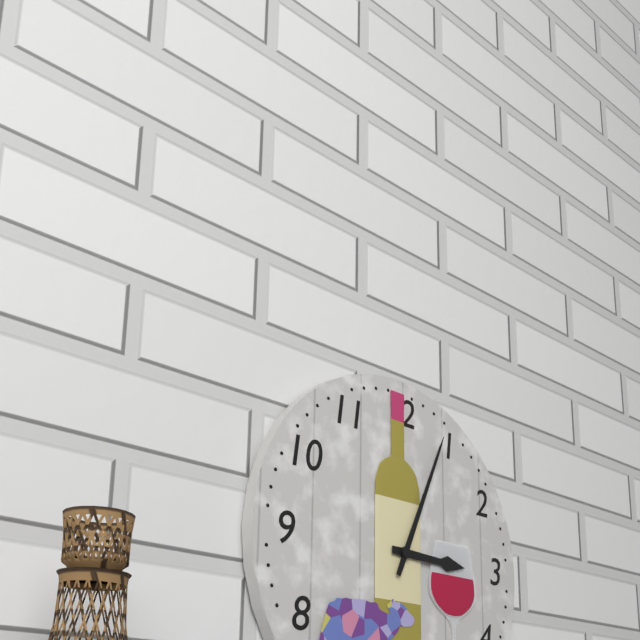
3:04
